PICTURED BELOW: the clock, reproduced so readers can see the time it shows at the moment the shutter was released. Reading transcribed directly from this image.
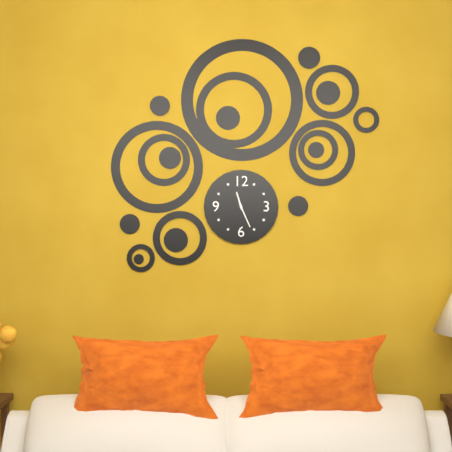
11:26
